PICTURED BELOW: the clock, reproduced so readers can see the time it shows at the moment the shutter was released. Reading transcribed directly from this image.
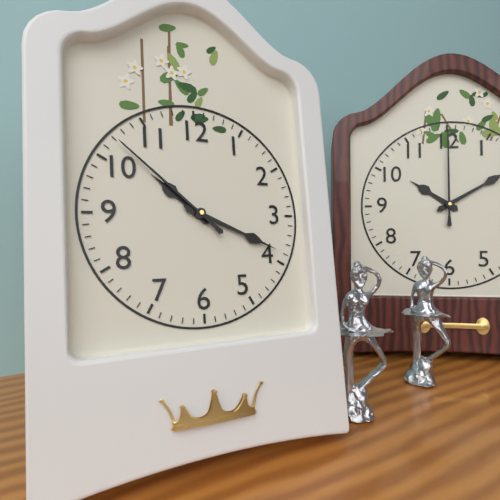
10:19:52
